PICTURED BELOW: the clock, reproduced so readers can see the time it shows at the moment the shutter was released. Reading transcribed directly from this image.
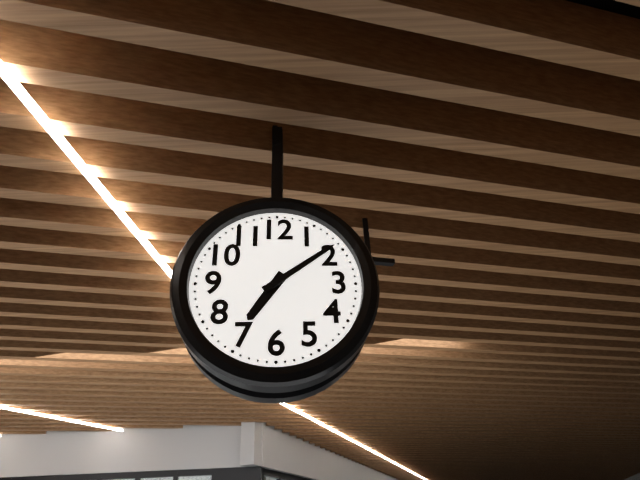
7:09
